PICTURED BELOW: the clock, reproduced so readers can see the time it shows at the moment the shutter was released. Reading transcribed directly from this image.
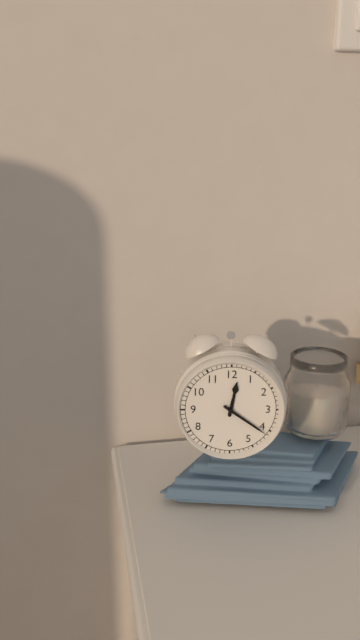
12:21
